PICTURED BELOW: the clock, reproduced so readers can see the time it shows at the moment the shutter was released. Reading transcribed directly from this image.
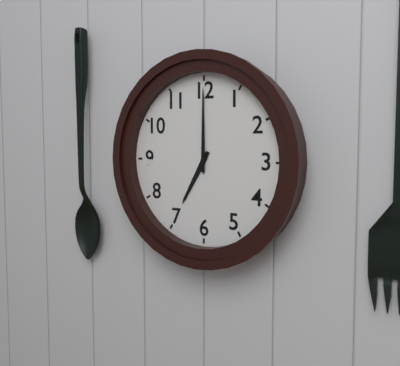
7:00
